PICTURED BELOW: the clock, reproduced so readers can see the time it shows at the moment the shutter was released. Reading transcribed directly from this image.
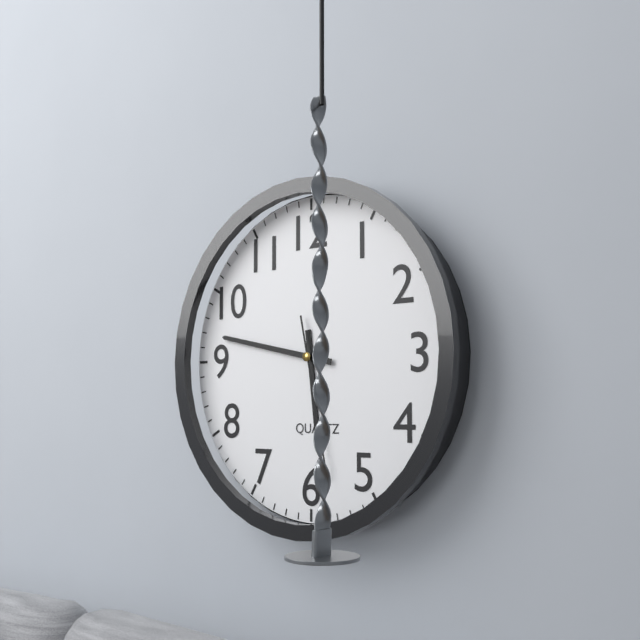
5:47
